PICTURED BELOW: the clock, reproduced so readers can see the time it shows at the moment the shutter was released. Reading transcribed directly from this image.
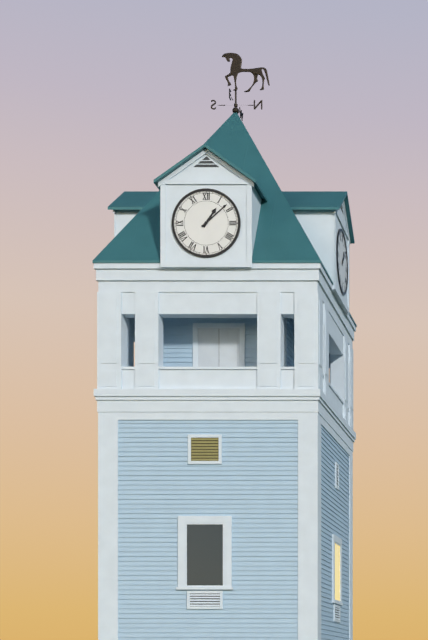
1:08
